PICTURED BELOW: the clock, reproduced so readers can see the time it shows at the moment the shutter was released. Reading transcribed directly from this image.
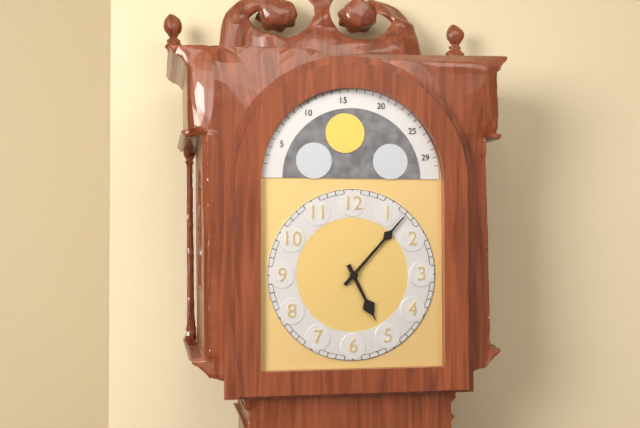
5:07
